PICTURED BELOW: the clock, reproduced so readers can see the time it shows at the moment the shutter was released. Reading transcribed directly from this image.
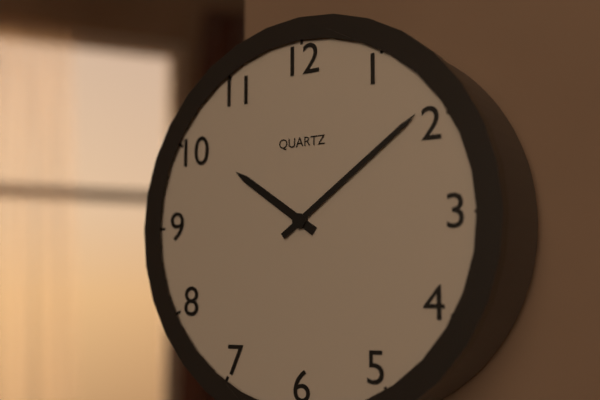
10:09
